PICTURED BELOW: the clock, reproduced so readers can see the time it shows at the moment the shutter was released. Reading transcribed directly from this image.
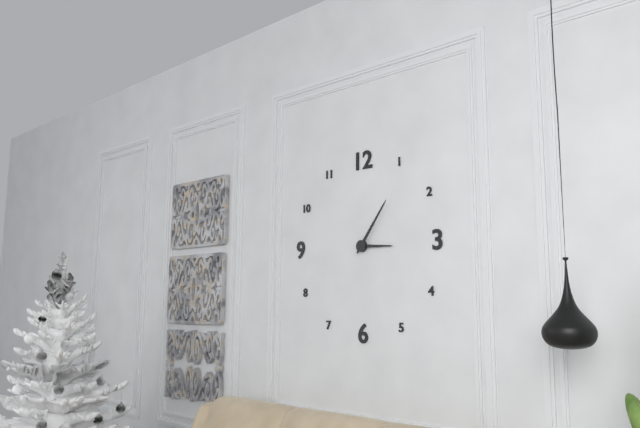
3:06
